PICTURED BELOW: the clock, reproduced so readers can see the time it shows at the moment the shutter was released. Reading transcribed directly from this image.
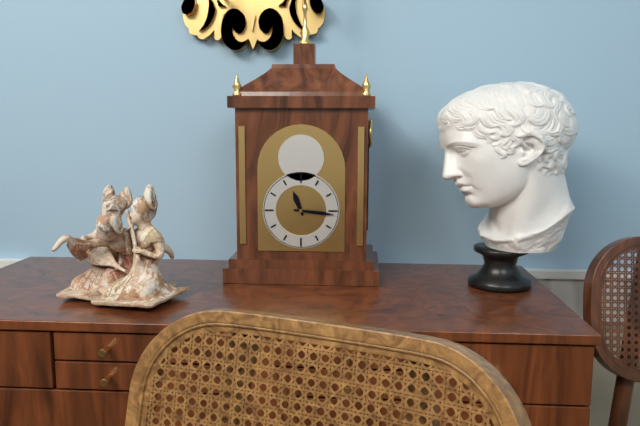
11:16
